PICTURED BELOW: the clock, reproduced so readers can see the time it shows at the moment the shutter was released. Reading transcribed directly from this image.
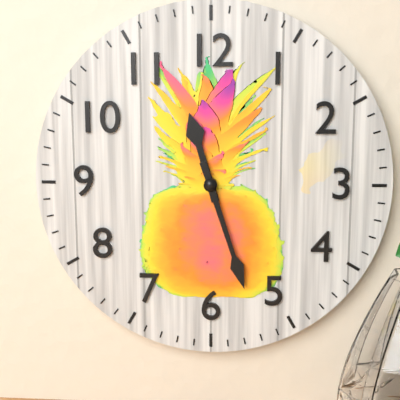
11:27
